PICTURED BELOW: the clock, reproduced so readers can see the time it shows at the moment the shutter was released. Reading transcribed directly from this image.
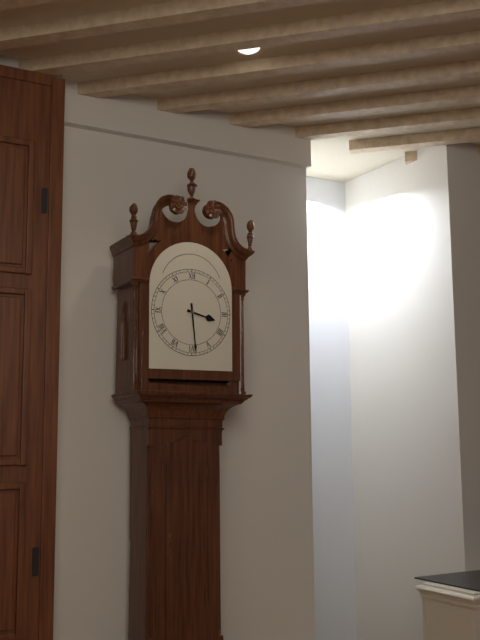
3:29
